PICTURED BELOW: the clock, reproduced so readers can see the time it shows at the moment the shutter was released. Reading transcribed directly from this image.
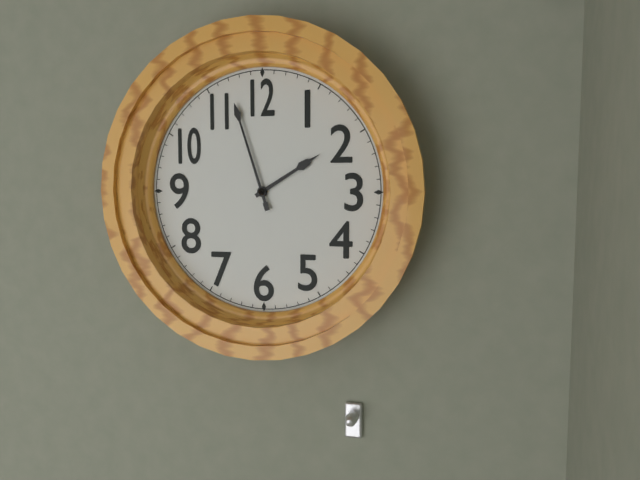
1:57
